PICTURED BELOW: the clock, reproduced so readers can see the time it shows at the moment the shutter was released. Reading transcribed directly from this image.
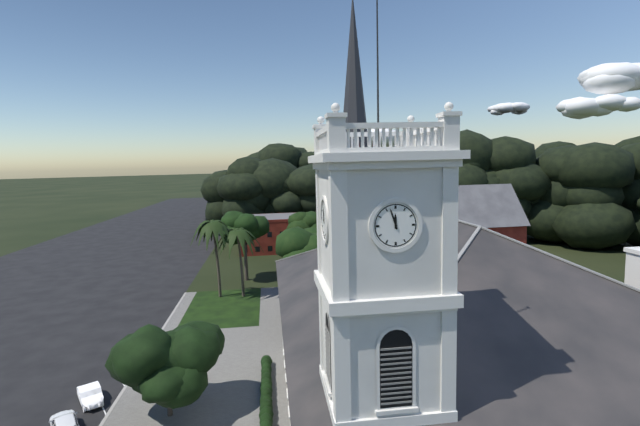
11:57
